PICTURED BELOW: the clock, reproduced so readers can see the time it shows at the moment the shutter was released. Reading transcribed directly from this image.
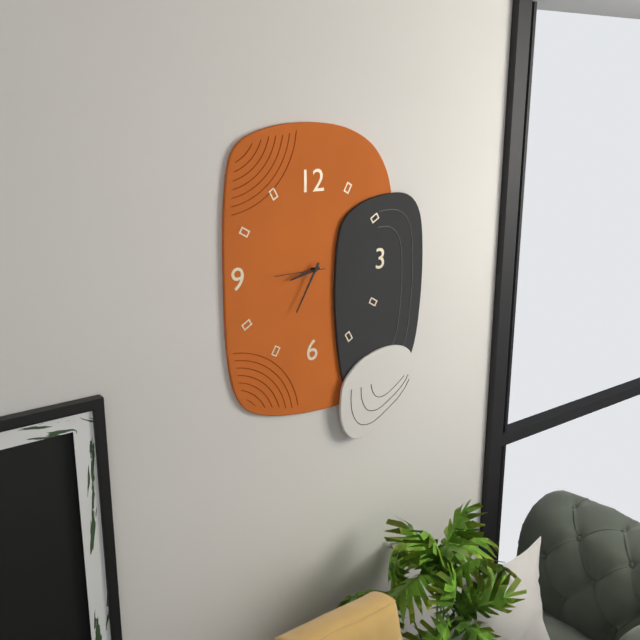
8:35:45
